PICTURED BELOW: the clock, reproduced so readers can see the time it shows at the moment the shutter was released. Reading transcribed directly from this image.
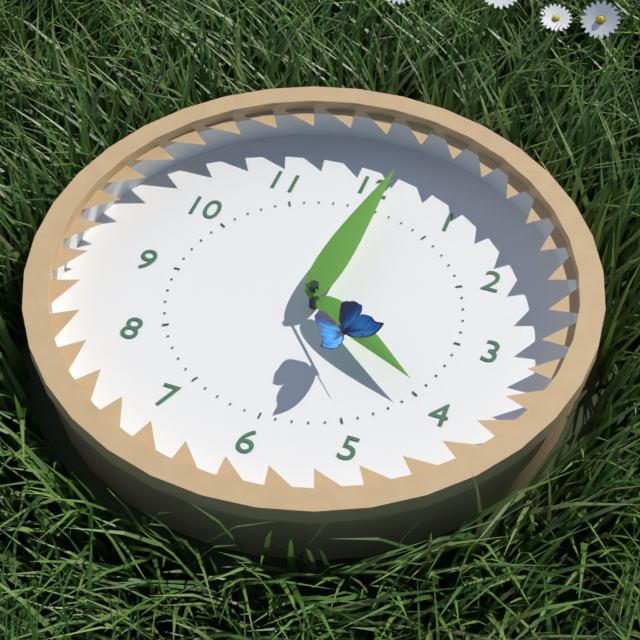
4:01:23
